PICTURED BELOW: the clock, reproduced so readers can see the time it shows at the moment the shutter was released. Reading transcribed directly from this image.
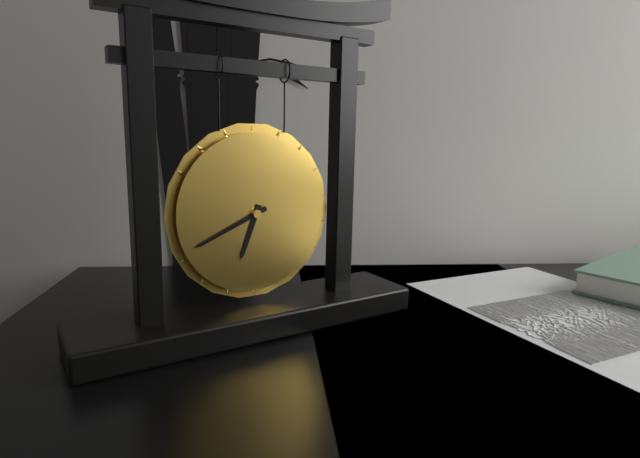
6:41
